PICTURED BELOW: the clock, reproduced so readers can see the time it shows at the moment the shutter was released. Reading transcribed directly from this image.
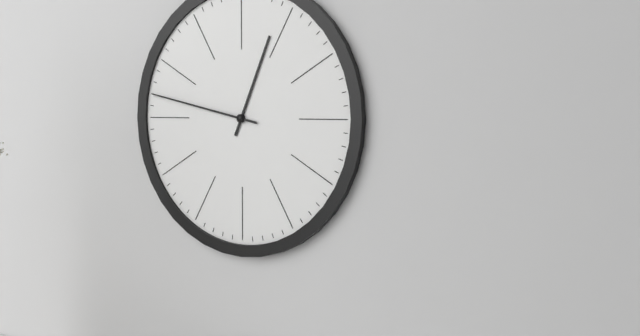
12:47
